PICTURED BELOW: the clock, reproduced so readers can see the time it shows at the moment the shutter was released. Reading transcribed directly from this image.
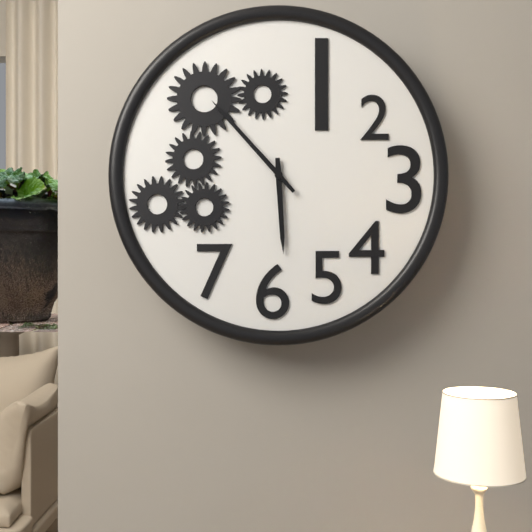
5:53
